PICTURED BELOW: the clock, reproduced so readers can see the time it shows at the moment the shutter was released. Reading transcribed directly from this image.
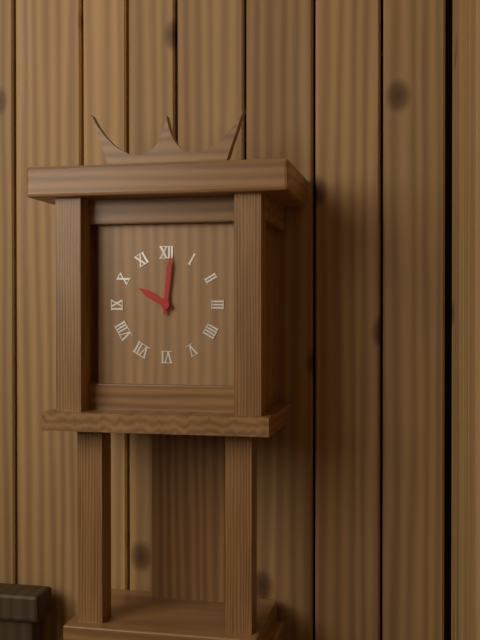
10:01
